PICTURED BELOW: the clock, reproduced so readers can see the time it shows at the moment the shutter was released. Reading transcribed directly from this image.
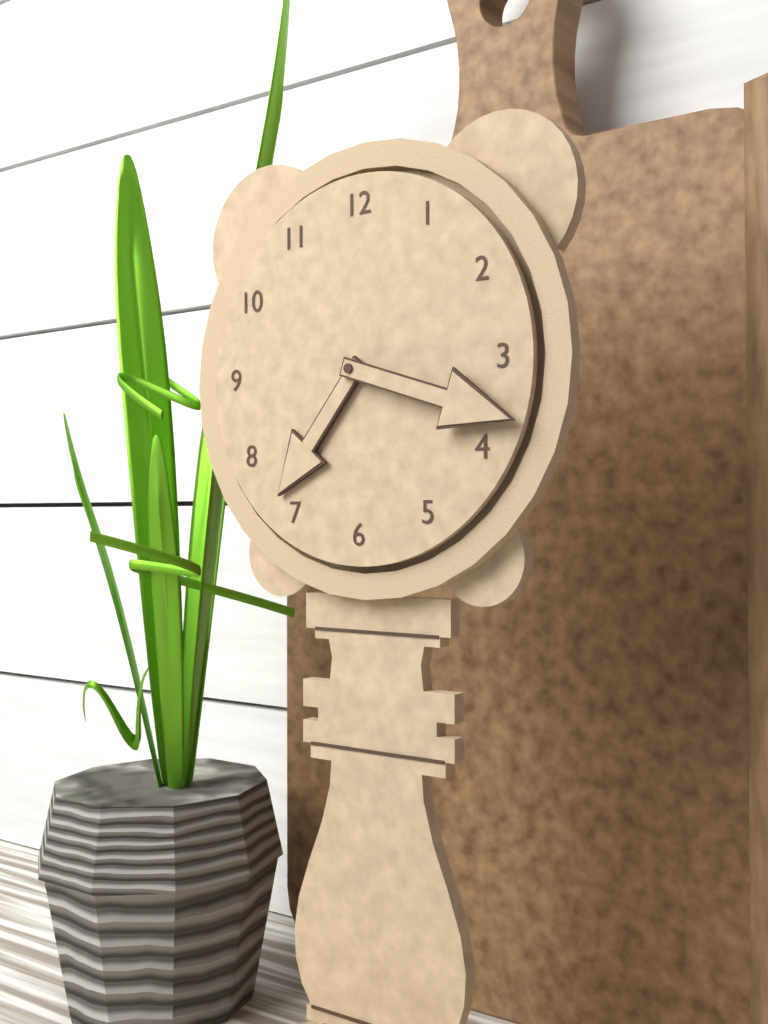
7:18
